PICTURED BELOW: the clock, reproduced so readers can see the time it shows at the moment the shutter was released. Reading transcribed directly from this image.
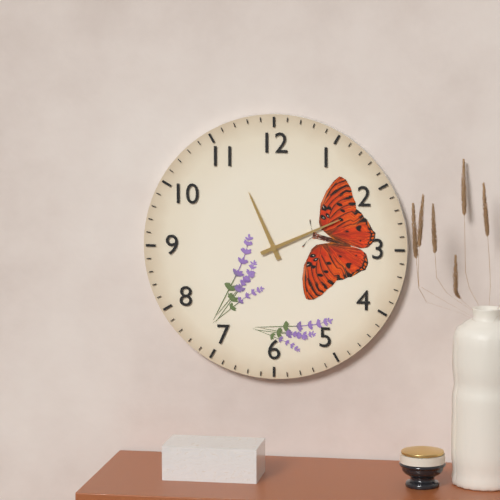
11:11
